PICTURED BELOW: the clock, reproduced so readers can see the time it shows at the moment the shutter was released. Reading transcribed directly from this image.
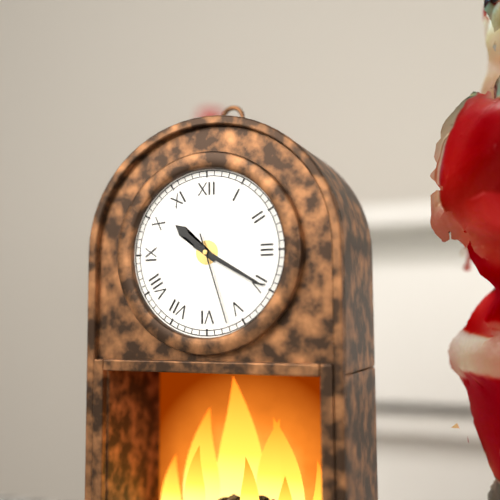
10:20:27
